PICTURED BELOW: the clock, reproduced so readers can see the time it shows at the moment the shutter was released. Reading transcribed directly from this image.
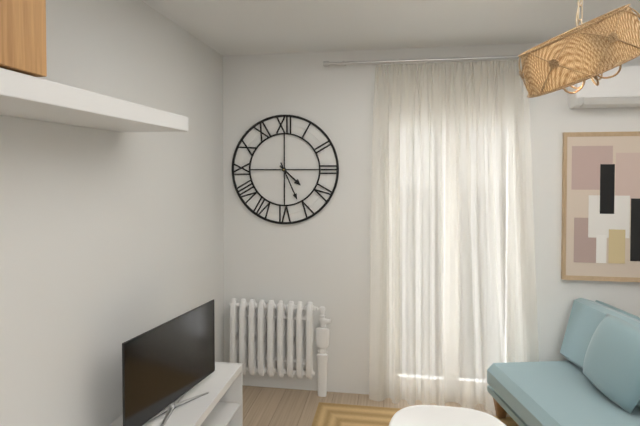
4:26
